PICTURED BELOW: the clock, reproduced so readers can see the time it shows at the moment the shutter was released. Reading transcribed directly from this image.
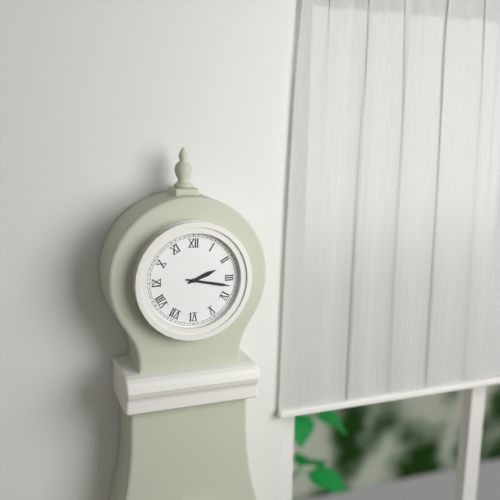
2:17
